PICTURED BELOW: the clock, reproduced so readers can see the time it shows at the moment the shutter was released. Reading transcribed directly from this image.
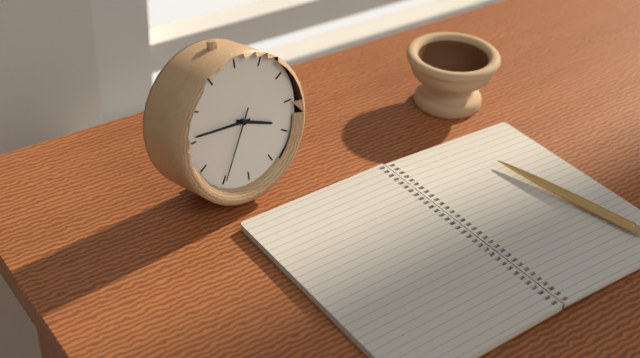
3:46:35
